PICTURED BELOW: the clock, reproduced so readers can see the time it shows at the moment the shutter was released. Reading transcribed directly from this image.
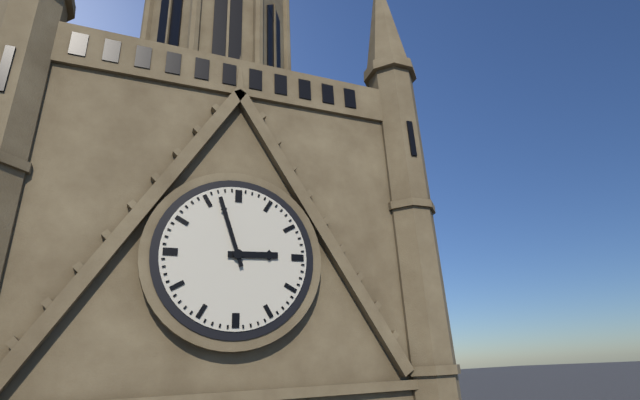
2:57
